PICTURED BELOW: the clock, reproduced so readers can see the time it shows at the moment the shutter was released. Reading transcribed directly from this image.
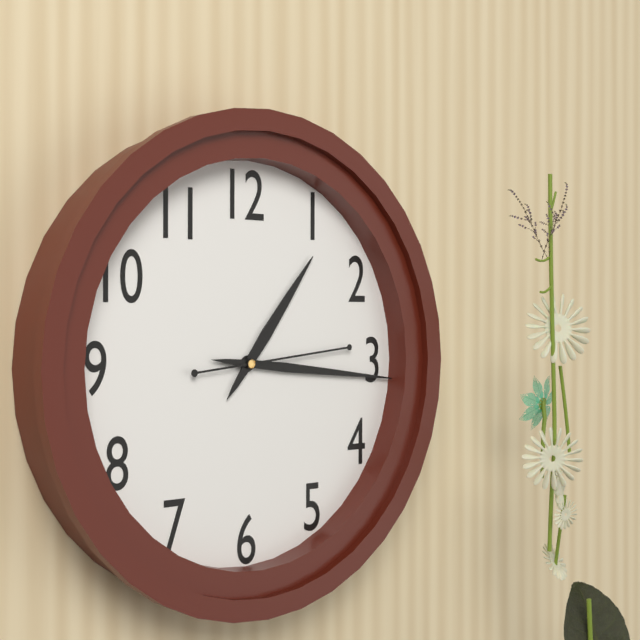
1:16:14
